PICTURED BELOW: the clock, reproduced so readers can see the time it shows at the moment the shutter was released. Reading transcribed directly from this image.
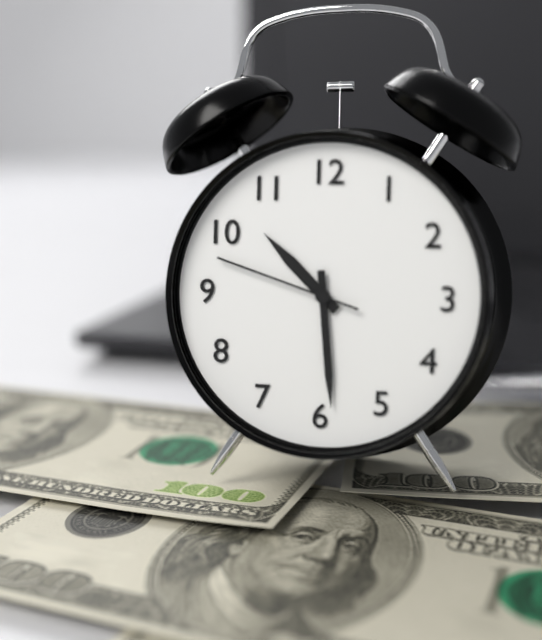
10:29:48
